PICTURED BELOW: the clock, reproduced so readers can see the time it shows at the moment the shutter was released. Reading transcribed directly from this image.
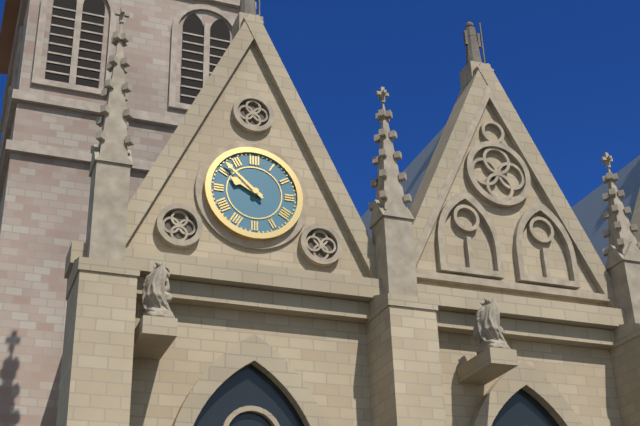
9:52
